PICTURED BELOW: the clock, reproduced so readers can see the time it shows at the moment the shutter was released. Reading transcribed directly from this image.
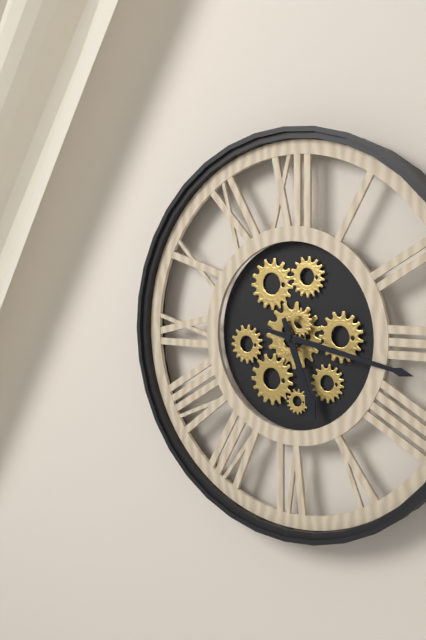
5:17
